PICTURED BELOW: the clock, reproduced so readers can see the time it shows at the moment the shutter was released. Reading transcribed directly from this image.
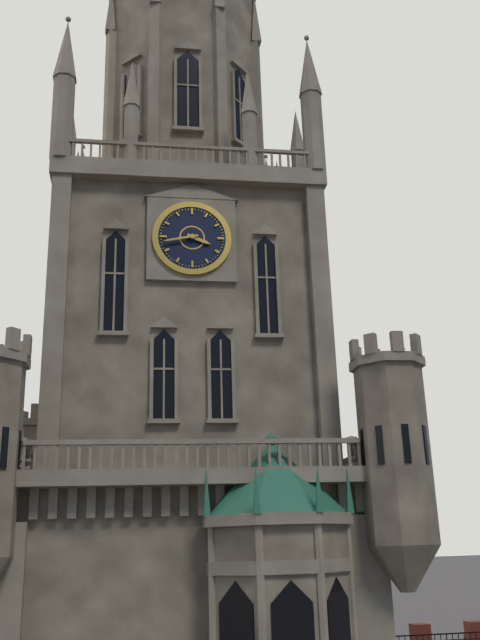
3:43
